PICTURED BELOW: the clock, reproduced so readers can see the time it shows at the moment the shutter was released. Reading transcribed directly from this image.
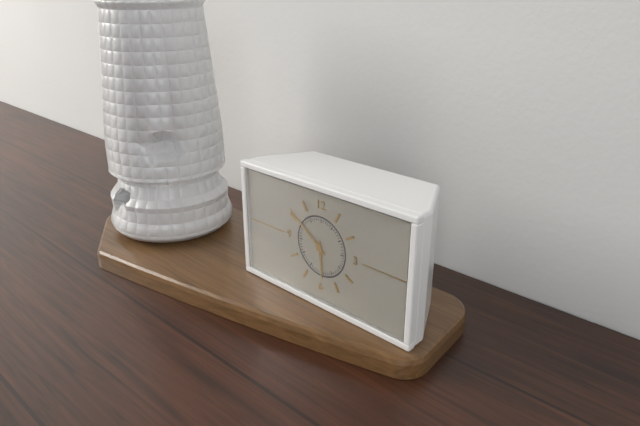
5:51
